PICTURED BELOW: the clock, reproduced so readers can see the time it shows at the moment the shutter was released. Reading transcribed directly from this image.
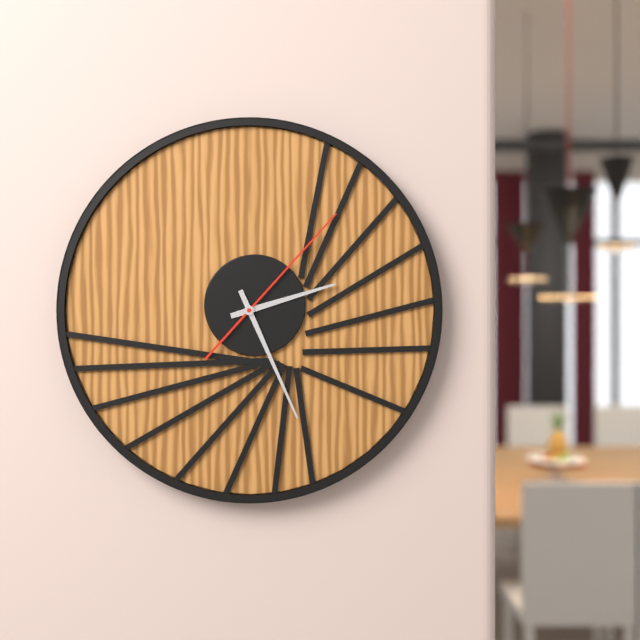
2:26:07
